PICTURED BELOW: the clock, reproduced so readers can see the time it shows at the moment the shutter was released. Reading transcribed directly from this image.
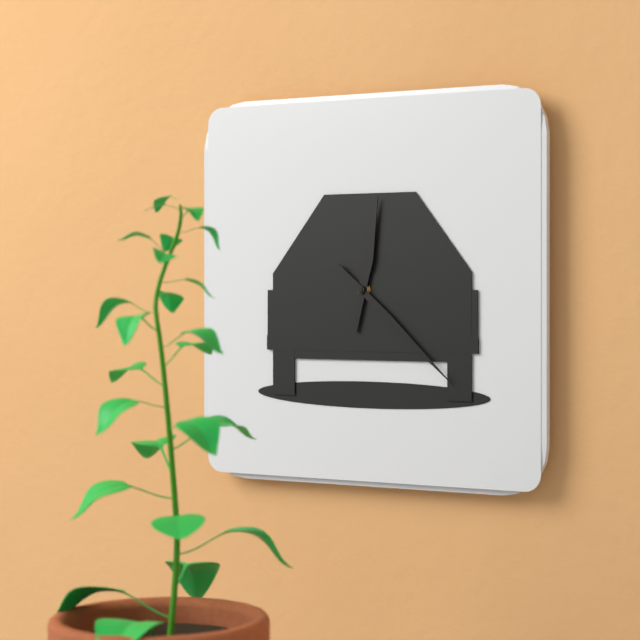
12:22
